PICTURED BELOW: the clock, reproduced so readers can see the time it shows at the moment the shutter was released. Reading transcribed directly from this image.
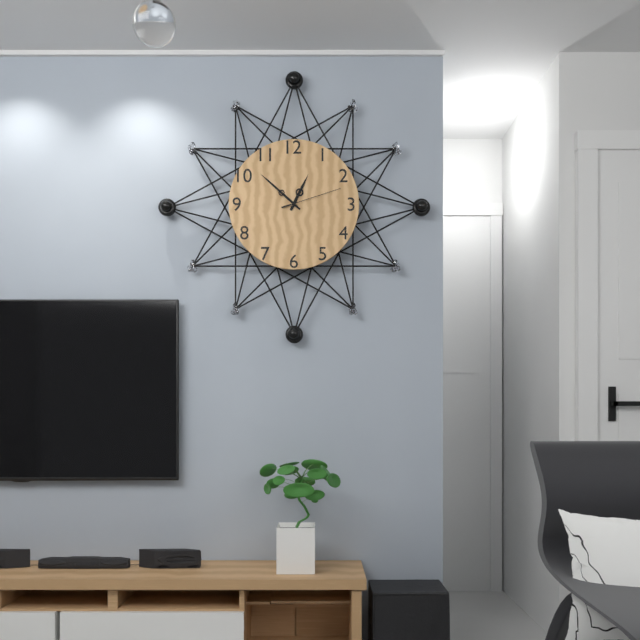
12:52:12
